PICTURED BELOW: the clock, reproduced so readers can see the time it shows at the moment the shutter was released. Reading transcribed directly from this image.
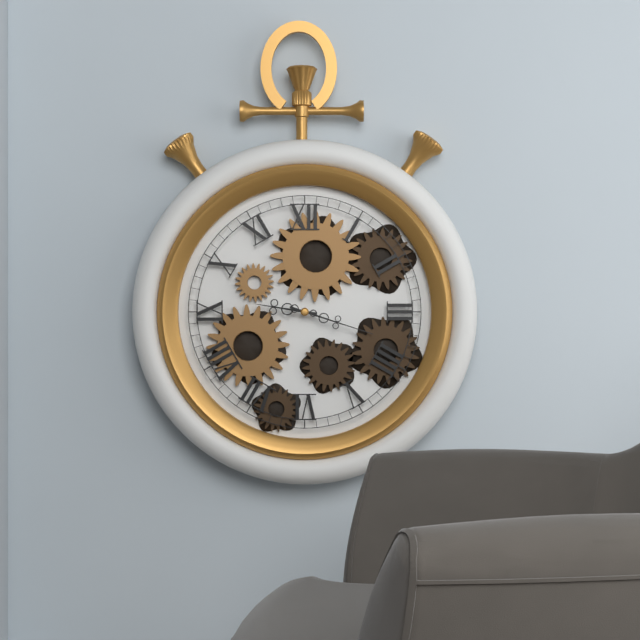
9:18
